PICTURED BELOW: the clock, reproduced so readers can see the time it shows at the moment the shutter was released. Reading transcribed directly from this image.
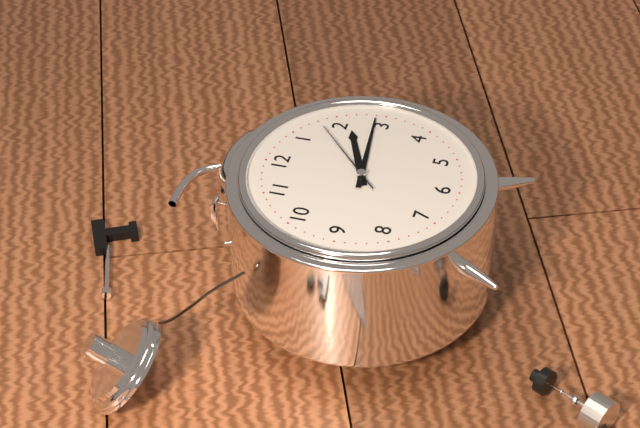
2:14:08
